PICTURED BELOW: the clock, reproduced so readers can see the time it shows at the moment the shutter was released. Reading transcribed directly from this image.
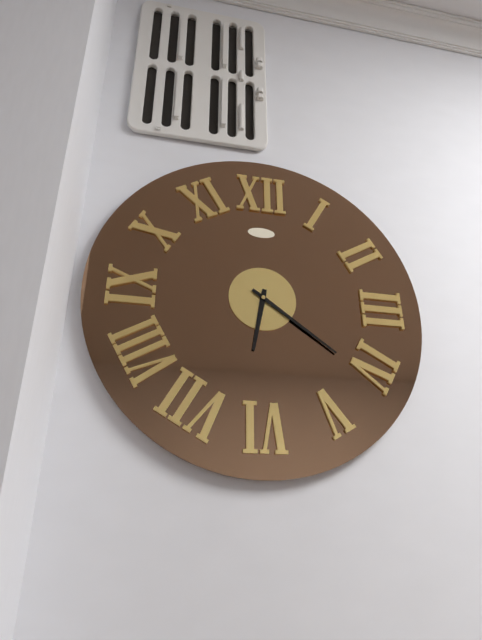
6:21
